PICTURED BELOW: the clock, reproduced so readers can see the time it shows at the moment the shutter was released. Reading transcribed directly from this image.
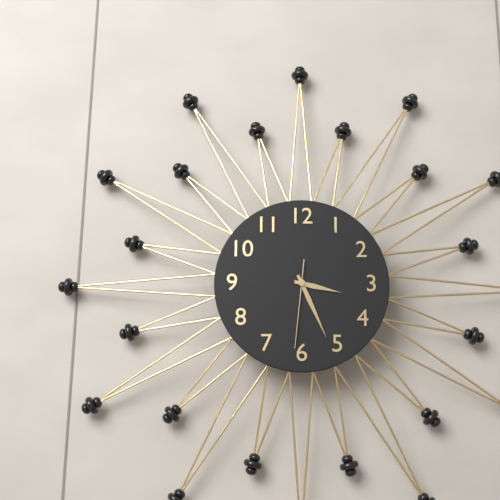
3:26:31
